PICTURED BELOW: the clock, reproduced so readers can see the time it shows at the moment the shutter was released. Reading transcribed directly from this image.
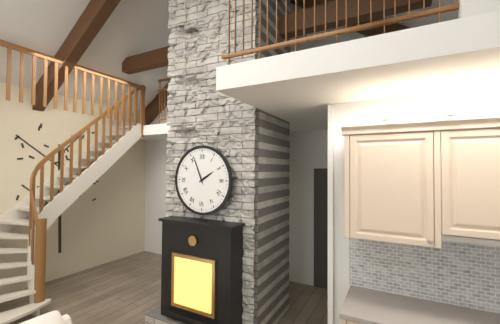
1:56
